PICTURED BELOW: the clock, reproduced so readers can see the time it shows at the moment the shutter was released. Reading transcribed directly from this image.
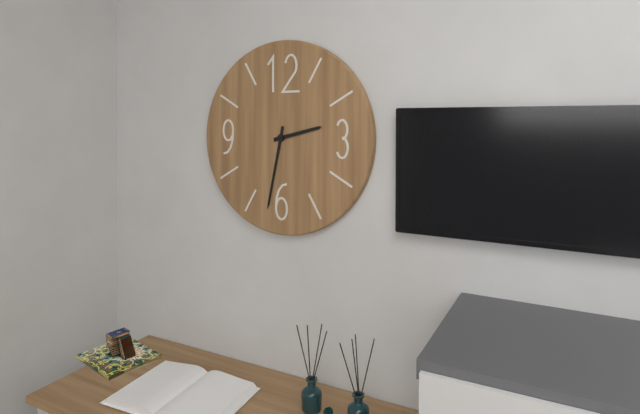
2:32
